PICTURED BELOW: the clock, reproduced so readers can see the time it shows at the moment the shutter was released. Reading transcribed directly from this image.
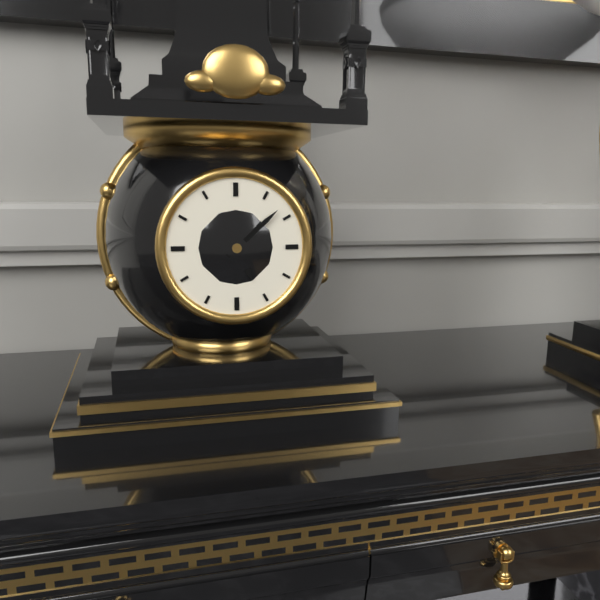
5:08
